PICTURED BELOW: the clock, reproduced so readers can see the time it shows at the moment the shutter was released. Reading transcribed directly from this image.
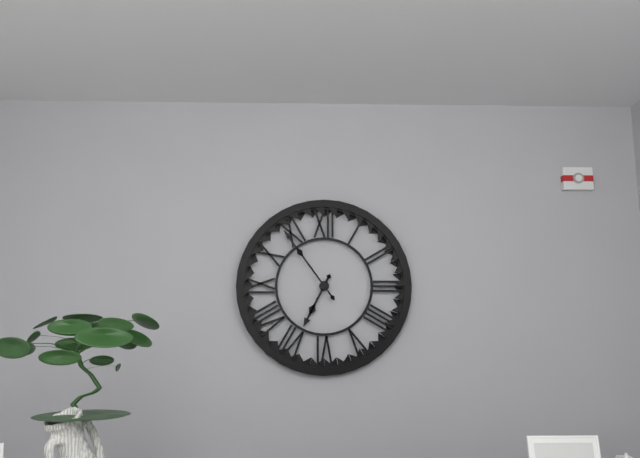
6:54
